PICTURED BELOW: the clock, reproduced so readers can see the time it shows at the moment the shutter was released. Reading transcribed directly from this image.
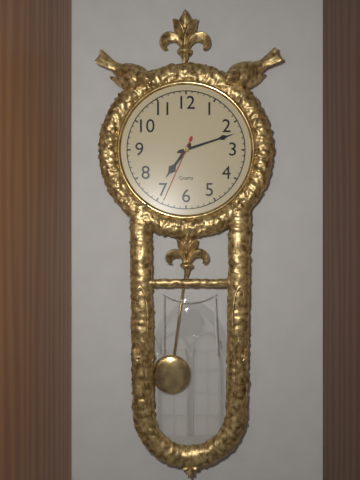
7:12:34
